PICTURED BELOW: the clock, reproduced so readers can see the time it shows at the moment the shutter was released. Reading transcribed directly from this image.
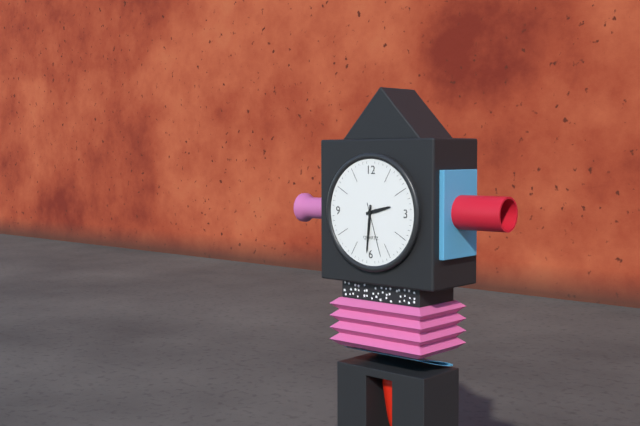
2:31:27
